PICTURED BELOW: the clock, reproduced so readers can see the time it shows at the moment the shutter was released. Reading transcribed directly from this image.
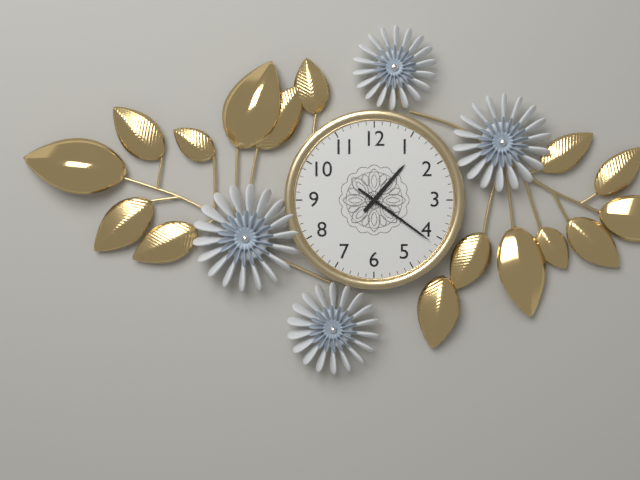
1:21
